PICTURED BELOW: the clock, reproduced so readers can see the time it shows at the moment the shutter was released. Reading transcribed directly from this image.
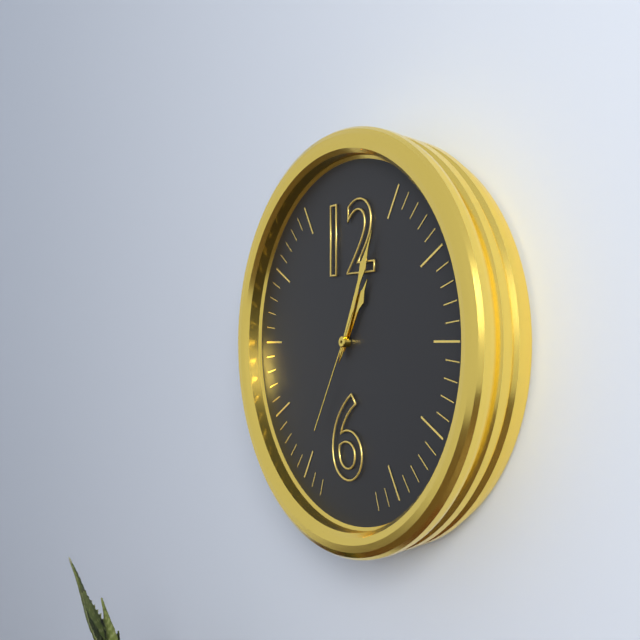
1:04:35
